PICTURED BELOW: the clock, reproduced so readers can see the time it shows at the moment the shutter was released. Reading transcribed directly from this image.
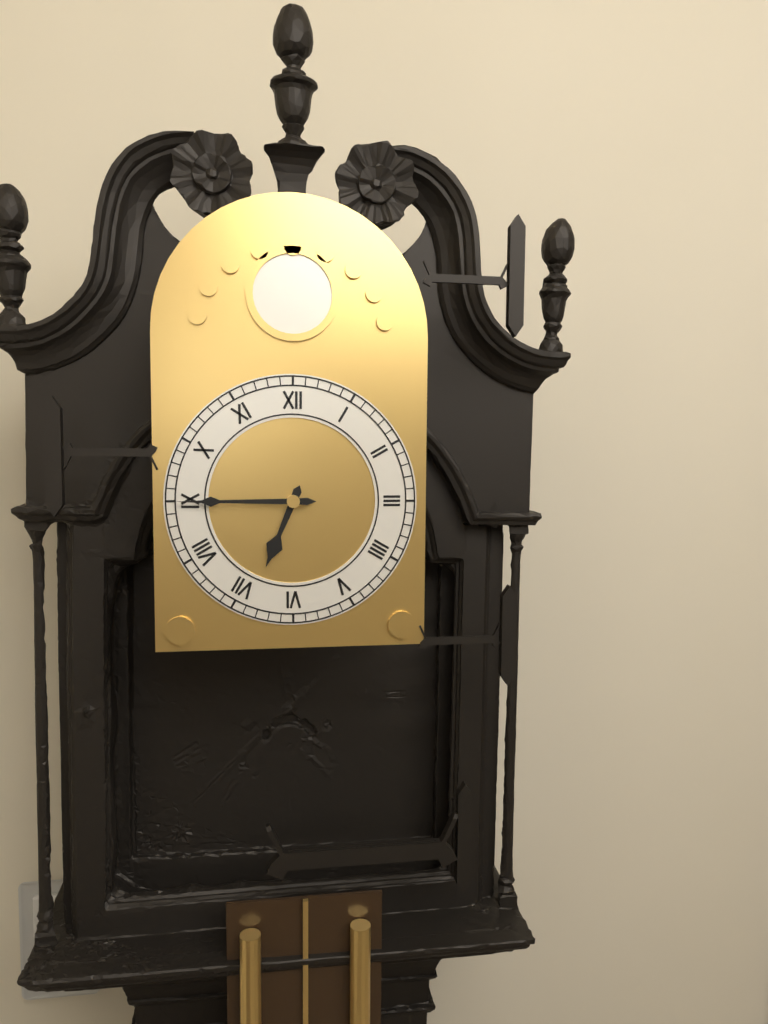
6:45
